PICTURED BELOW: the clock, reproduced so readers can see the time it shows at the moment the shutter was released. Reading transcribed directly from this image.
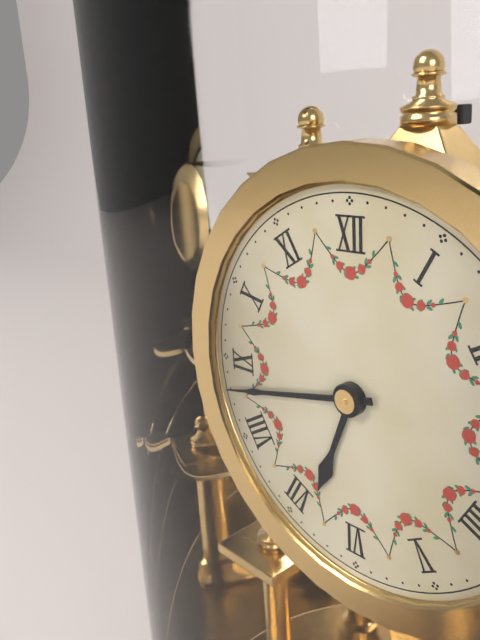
6:43
